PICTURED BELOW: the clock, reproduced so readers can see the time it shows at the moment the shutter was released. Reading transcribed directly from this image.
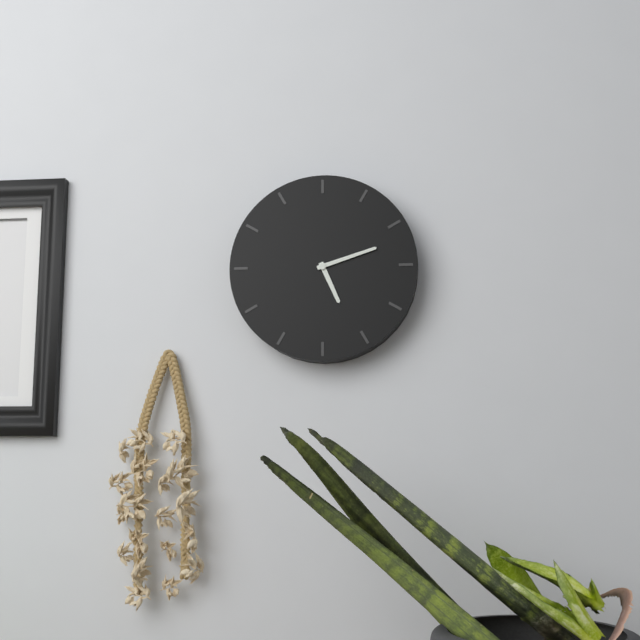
5:12
